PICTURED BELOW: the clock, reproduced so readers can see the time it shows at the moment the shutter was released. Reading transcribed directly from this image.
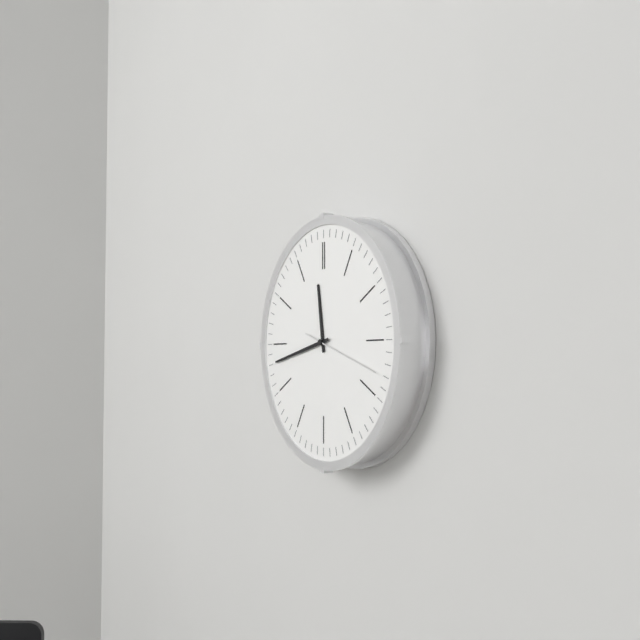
11:43:18
